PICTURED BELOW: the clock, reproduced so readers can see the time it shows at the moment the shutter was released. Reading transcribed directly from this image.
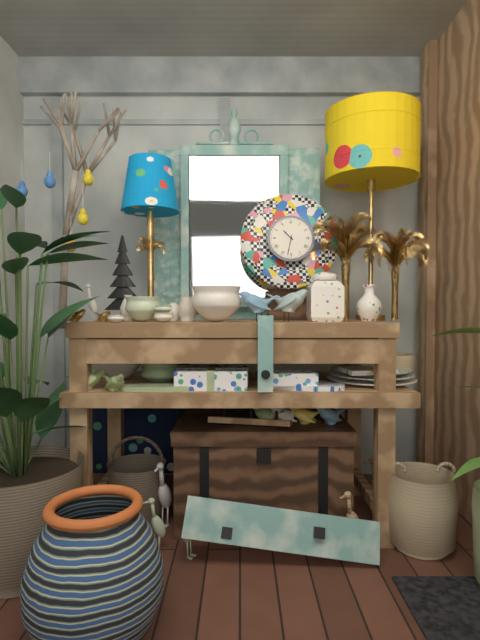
10:32
